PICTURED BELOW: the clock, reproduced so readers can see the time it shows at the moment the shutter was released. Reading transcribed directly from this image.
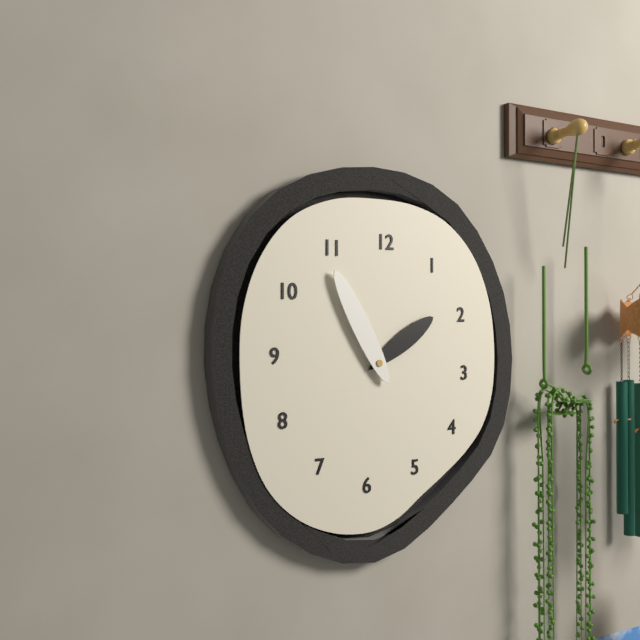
1:55
